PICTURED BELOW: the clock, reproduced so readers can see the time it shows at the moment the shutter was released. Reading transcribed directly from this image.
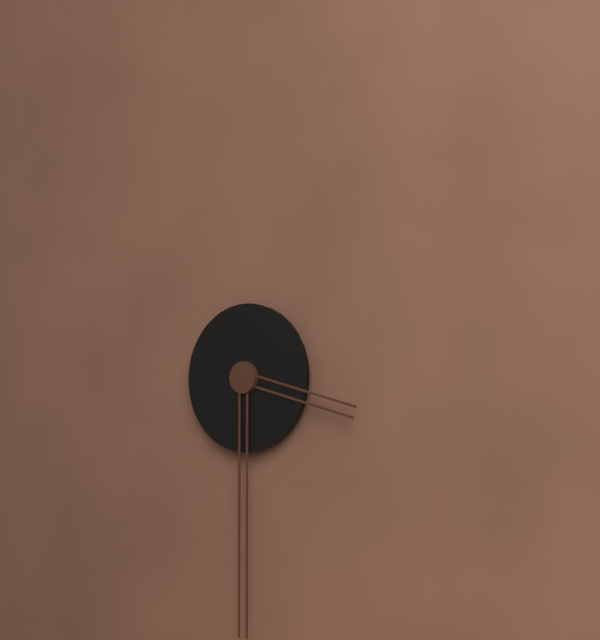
3:30
